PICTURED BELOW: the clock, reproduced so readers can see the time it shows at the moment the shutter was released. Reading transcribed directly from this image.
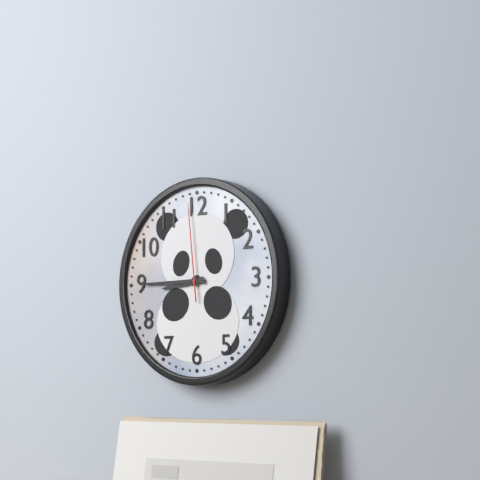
8:45:59
